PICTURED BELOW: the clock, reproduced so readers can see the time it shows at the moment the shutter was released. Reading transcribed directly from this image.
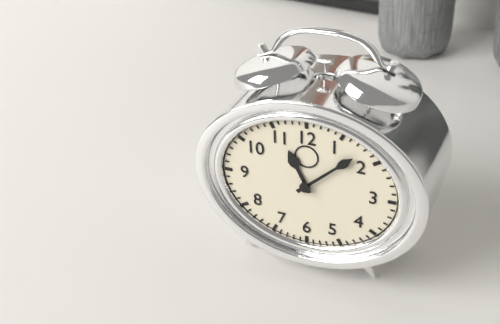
11:08
